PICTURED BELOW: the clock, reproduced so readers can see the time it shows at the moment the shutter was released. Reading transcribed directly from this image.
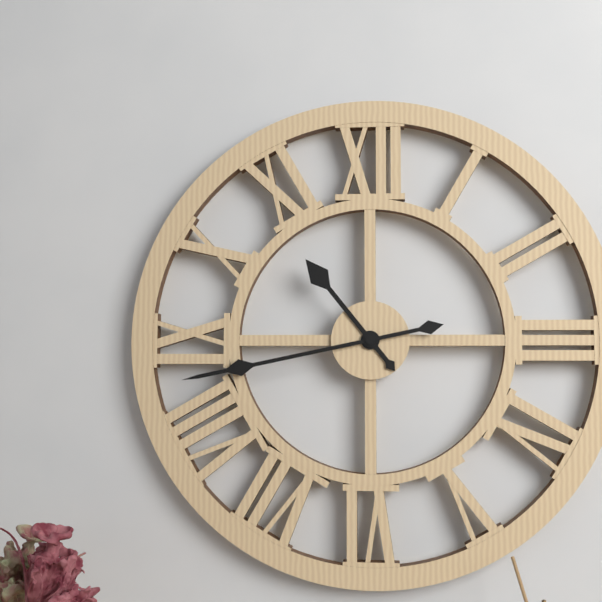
10:43
